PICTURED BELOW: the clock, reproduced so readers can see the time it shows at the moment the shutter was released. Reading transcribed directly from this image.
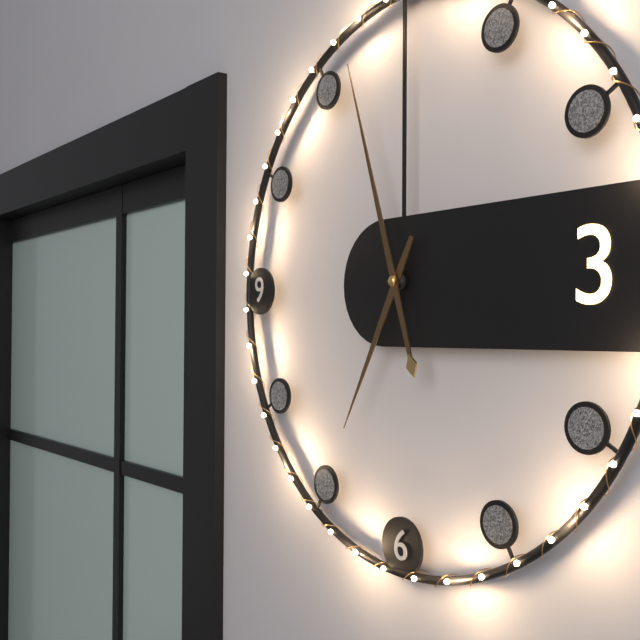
6:57
